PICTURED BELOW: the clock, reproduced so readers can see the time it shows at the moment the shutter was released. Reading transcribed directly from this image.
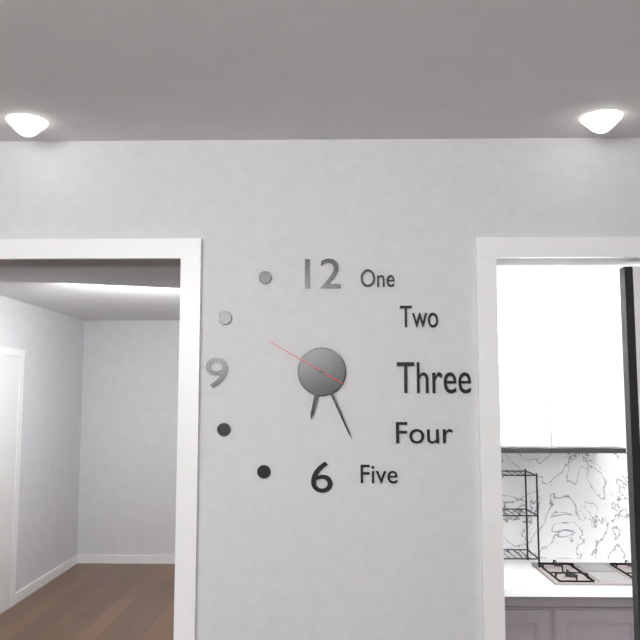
6:26:50
